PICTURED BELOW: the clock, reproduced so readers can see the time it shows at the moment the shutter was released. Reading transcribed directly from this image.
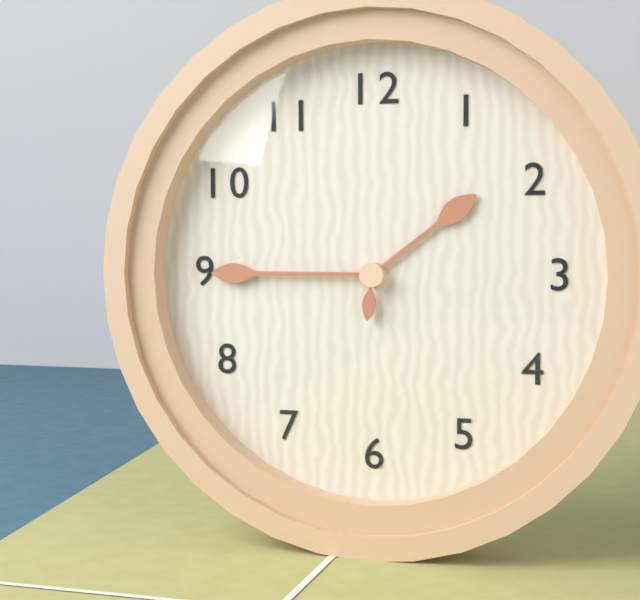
1:45:31
